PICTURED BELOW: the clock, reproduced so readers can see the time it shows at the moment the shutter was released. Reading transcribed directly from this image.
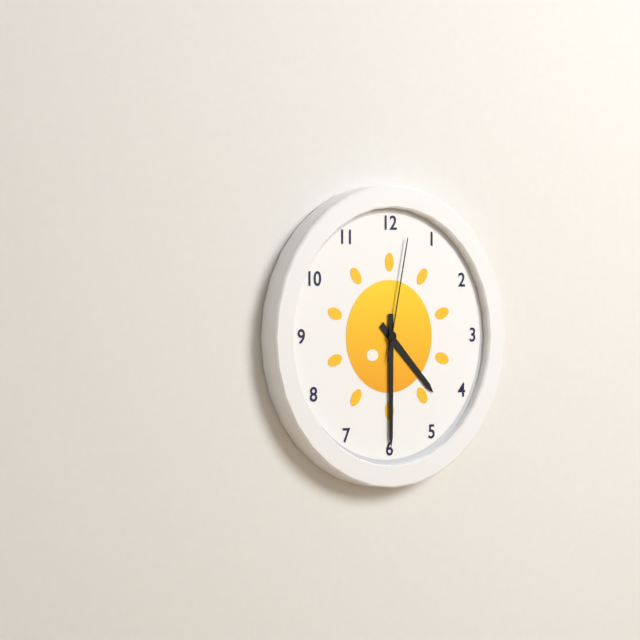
4:30:02
